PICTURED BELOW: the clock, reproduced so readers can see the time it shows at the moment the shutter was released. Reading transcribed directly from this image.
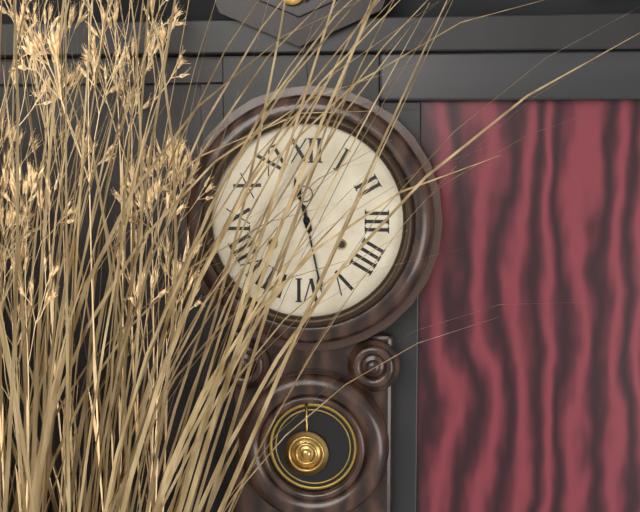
11:28
